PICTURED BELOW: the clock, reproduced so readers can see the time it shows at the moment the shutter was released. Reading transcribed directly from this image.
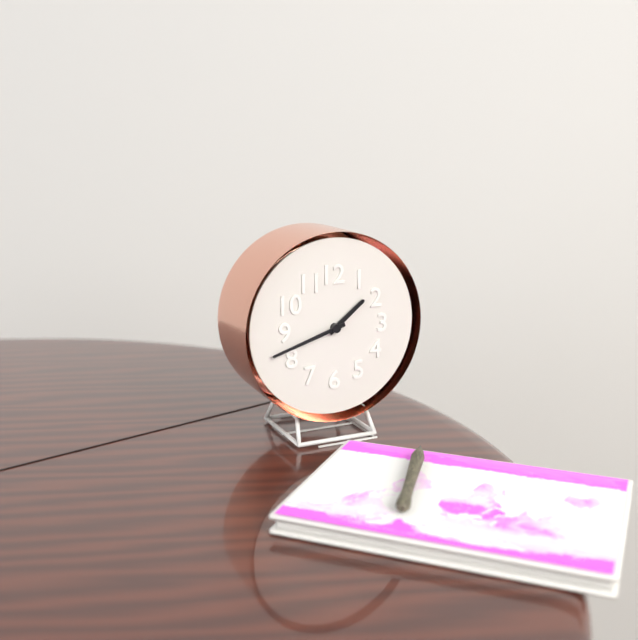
1:42
